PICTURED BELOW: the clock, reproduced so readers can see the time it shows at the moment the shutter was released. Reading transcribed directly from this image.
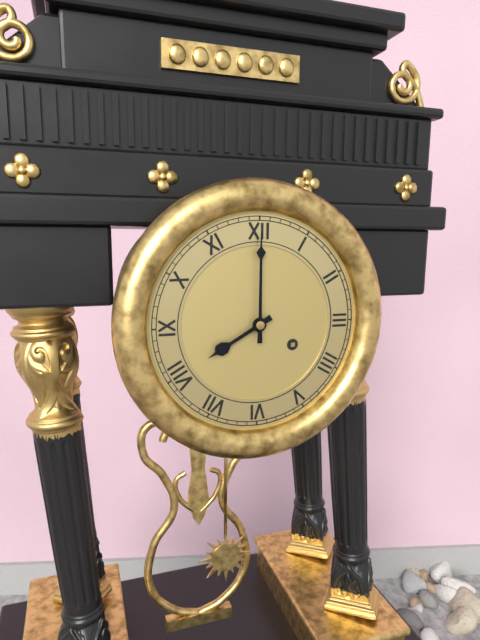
8:00
